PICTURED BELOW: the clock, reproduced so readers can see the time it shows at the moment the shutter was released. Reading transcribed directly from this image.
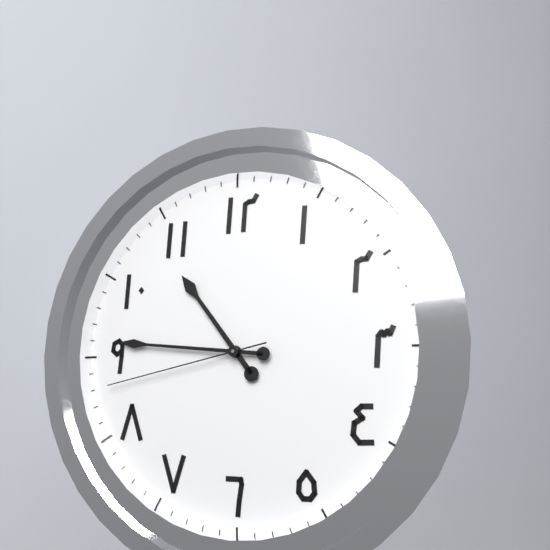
10:46:43
